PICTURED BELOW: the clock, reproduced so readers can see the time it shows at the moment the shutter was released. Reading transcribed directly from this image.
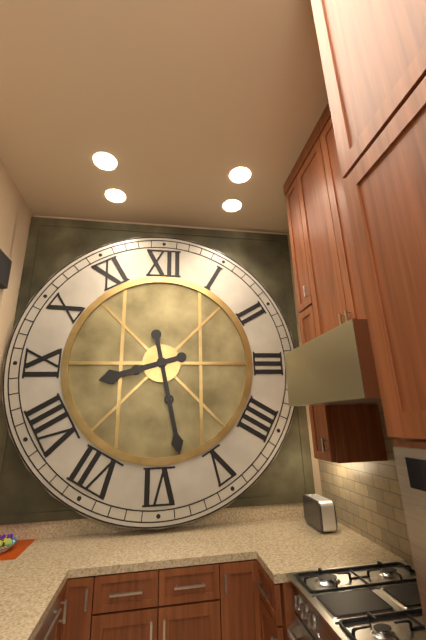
8:28
